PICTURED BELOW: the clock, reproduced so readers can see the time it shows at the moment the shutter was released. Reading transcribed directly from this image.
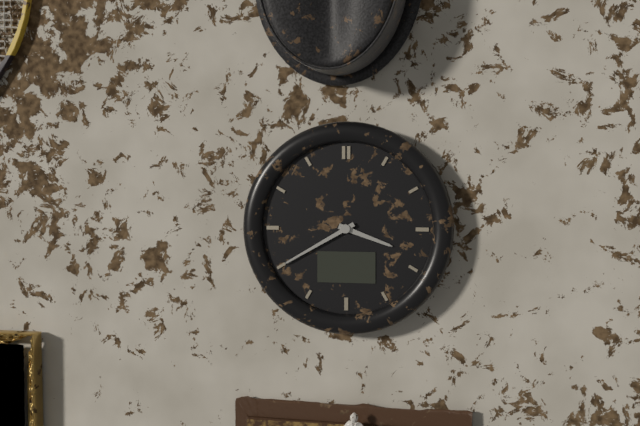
3:40
